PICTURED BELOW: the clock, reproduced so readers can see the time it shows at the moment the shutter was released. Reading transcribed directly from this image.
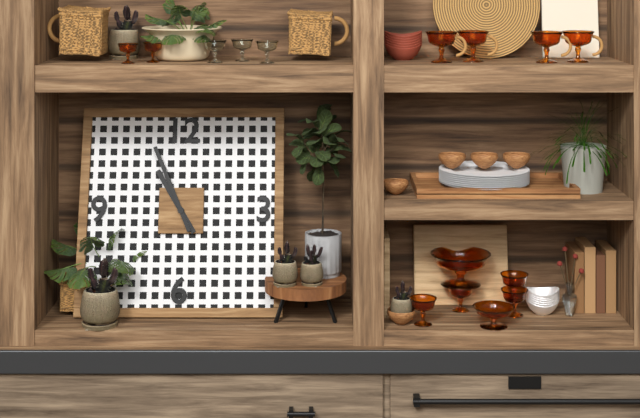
10:56
